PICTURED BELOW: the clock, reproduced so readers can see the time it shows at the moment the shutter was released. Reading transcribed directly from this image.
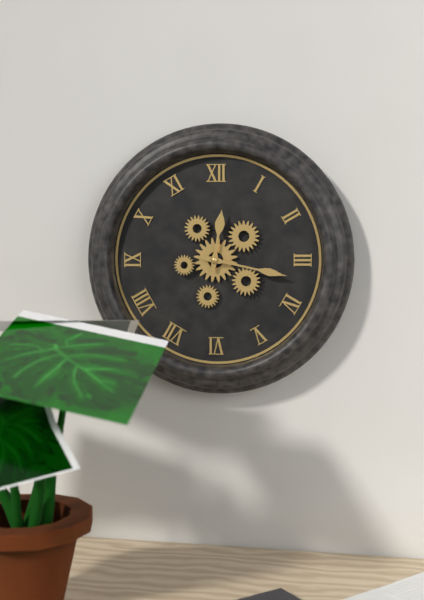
12:17
